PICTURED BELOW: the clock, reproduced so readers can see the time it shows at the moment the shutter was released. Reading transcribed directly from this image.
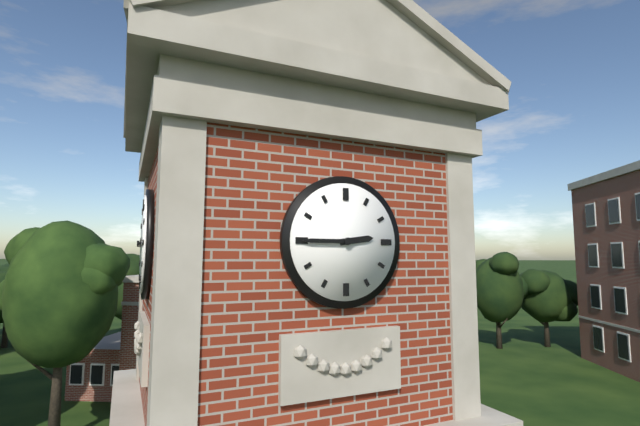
2:45
